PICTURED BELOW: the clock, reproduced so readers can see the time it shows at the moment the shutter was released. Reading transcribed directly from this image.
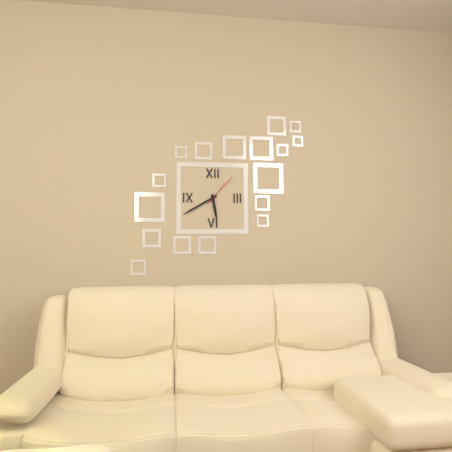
5:40
